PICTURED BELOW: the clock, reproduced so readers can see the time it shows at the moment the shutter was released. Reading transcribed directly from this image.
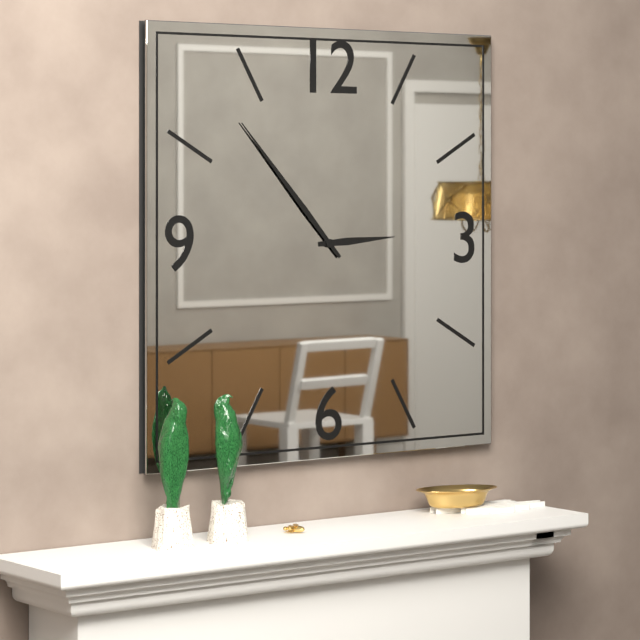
2:53
